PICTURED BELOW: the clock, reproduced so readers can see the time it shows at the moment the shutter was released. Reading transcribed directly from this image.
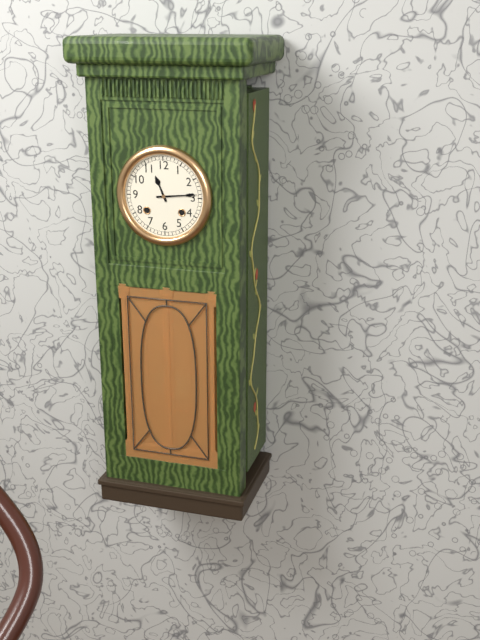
11:14
